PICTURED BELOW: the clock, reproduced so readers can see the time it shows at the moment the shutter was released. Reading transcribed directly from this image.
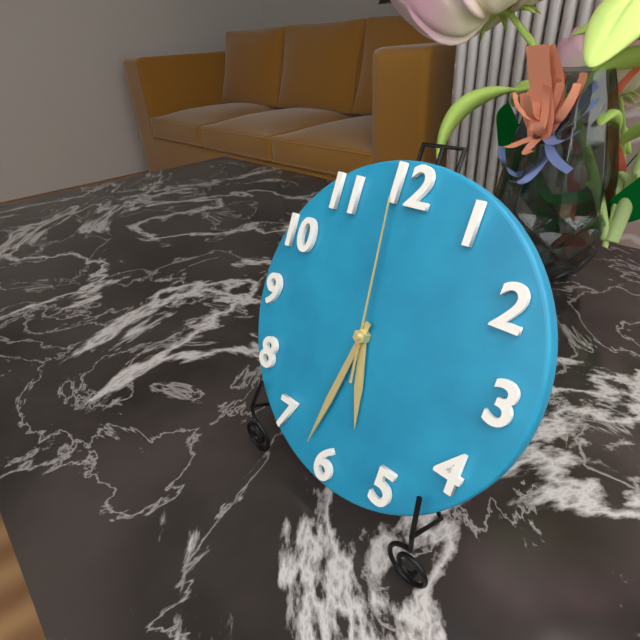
5:32:59
